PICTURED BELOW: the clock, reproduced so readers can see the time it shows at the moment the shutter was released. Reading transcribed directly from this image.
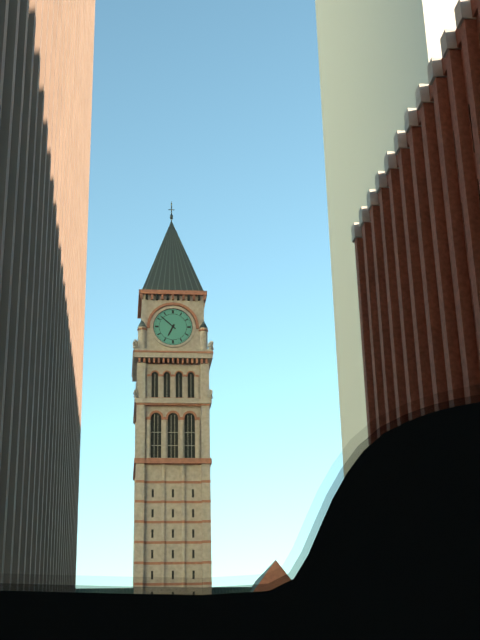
6:52
